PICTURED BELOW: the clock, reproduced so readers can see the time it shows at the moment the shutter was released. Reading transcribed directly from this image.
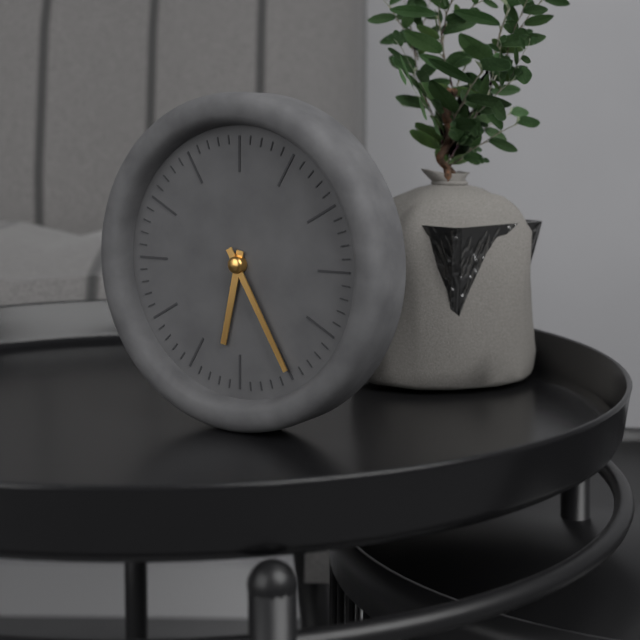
6:25
